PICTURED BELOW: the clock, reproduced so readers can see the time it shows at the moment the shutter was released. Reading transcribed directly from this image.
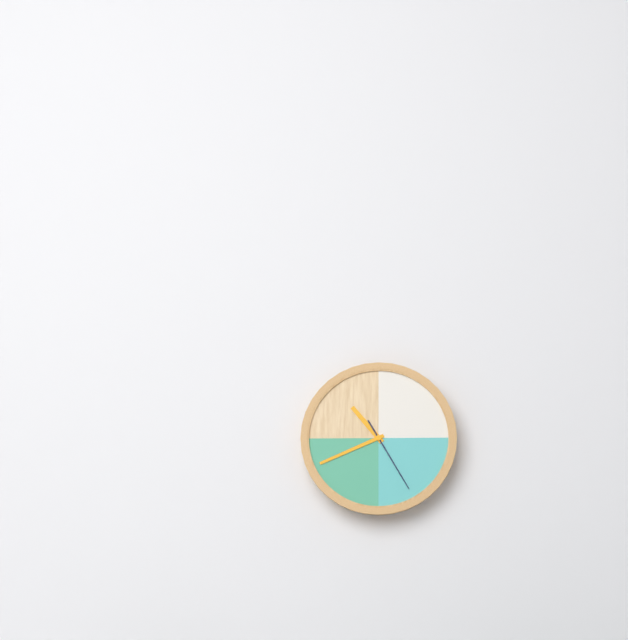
10:41:25
